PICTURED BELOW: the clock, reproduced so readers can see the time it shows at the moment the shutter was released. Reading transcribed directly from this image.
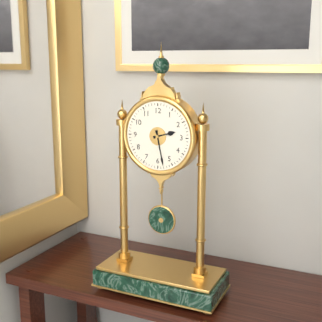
2:28
